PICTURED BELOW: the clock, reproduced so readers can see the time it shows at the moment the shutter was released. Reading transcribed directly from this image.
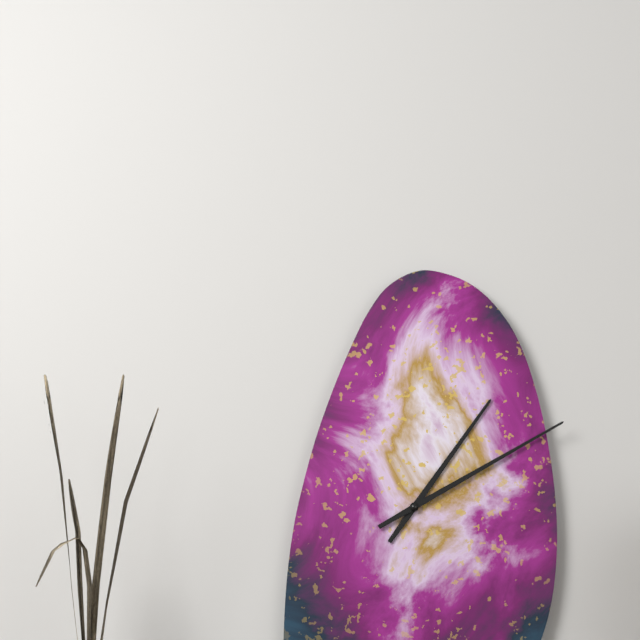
1:10
